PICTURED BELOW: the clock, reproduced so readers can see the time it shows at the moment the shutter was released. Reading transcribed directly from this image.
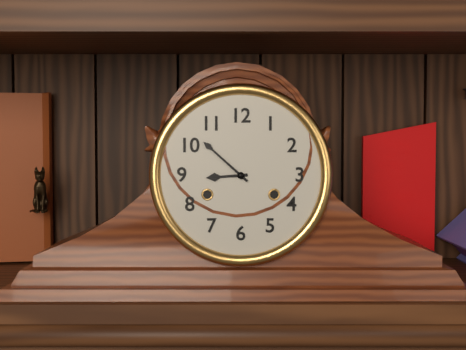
8:52
